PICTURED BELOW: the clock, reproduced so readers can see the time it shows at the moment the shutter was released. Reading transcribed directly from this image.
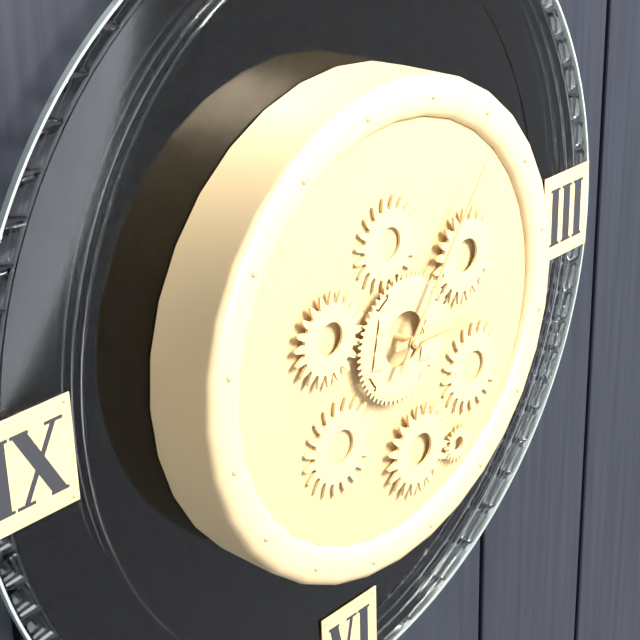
3:06
